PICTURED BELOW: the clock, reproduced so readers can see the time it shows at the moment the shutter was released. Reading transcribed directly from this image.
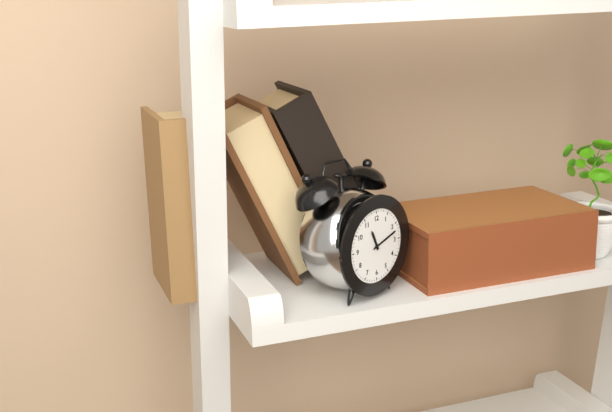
11:12
